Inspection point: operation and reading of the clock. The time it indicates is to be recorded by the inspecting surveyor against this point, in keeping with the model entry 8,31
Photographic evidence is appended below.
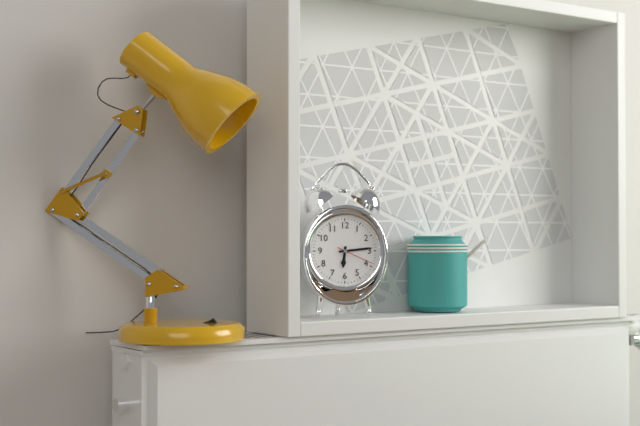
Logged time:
6,14
